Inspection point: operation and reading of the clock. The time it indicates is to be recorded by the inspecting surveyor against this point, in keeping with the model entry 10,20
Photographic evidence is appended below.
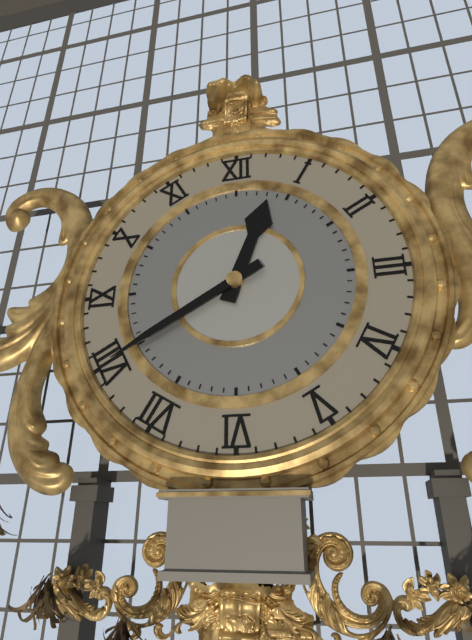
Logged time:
12,40
